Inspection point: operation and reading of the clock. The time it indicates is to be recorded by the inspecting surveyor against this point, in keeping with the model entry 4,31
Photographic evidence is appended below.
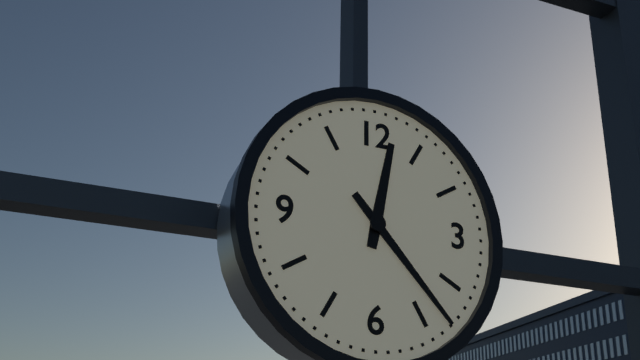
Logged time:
12,23
